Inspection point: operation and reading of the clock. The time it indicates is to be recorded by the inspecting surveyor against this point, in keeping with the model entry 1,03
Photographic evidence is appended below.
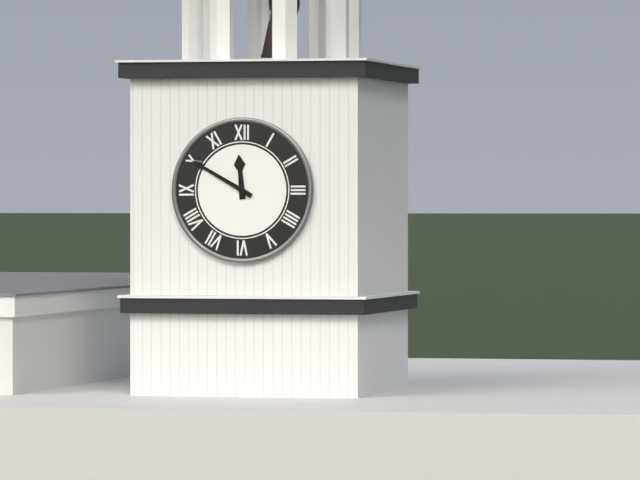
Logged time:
11,50
